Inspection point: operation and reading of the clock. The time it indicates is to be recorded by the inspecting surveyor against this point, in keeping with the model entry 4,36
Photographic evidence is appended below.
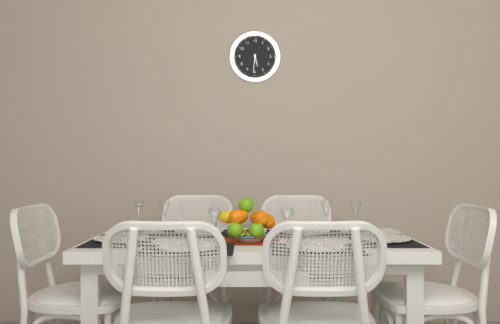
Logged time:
5,31
